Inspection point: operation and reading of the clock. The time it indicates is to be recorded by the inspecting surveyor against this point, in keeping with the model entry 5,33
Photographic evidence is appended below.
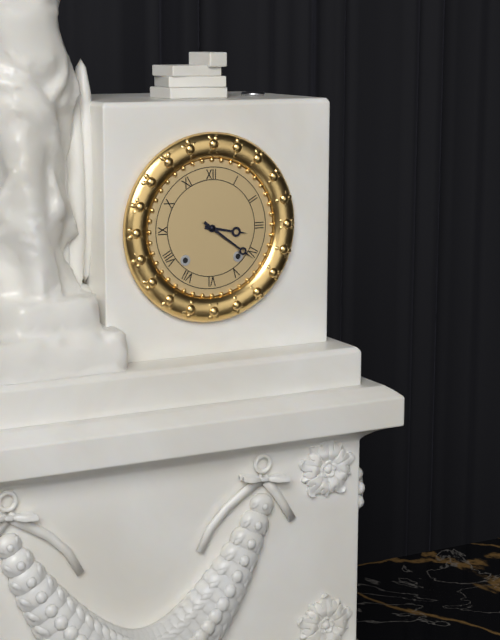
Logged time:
3,21
